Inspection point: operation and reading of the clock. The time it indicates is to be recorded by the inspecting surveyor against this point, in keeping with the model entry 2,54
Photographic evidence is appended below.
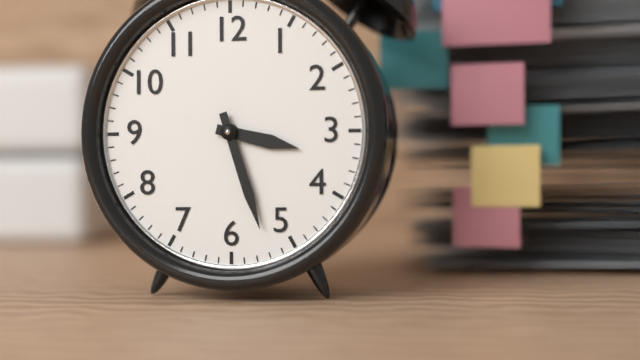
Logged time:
3,27
